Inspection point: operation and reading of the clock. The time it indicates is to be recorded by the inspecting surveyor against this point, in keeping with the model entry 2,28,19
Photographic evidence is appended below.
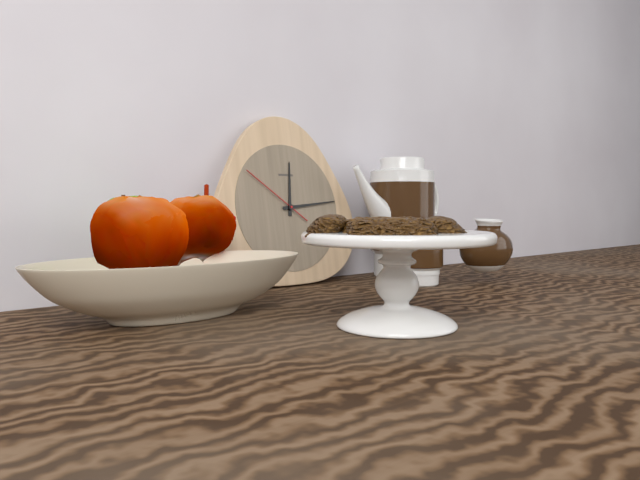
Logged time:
12,14,51
